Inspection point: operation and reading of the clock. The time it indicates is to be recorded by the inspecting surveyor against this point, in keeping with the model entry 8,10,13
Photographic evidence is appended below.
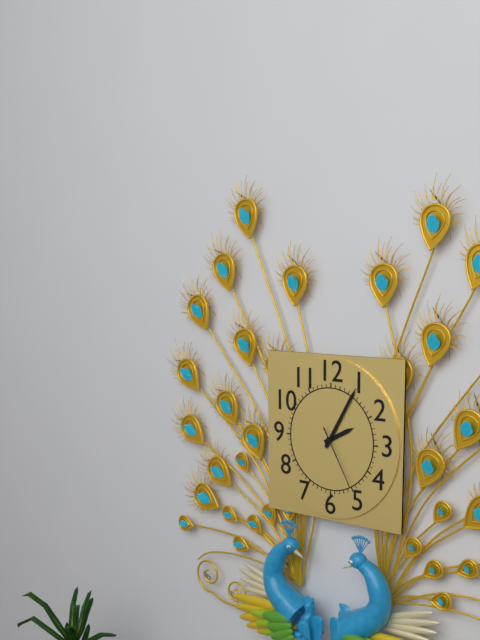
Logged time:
2,05,25
